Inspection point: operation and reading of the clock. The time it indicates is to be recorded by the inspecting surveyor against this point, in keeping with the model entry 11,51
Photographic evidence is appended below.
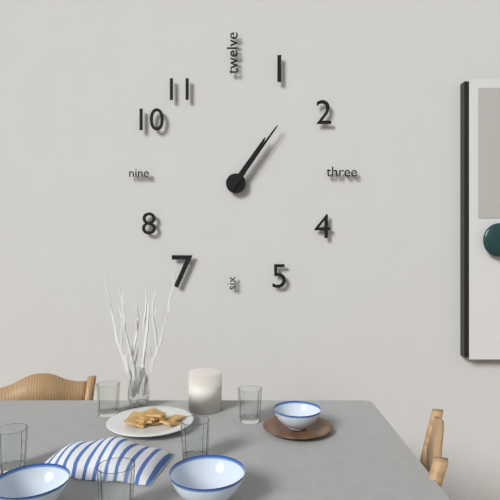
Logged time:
1,06
